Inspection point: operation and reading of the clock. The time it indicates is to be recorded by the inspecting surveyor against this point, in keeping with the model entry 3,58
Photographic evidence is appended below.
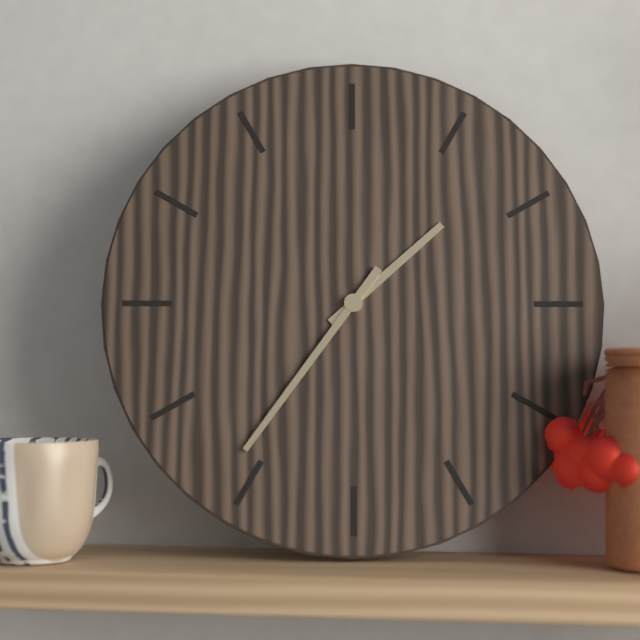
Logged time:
1,36
